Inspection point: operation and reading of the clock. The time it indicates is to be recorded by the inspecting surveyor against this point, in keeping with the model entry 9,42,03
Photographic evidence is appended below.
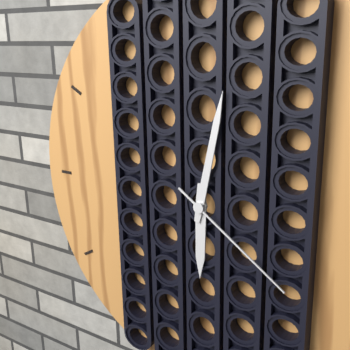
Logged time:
6,02,21
